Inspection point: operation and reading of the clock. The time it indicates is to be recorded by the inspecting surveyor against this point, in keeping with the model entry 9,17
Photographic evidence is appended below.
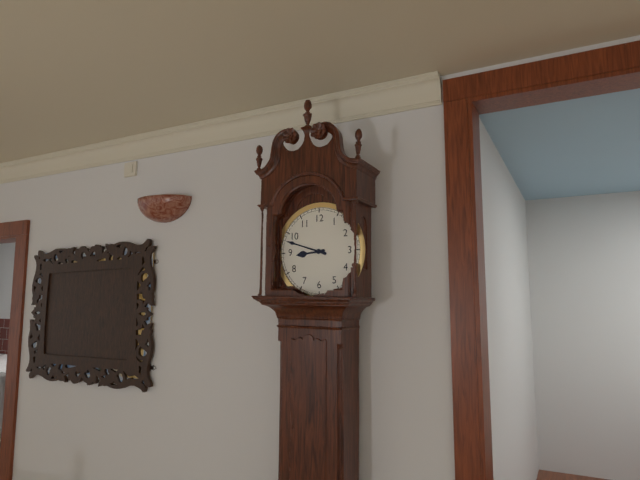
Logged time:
8,48
